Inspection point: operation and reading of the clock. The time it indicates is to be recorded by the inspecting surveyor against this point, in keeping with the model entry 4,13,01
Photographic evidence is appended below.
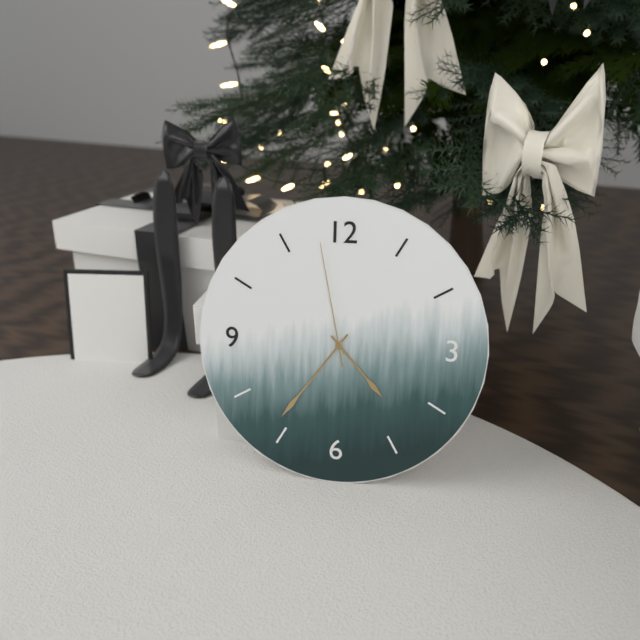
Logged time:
4,36,58
